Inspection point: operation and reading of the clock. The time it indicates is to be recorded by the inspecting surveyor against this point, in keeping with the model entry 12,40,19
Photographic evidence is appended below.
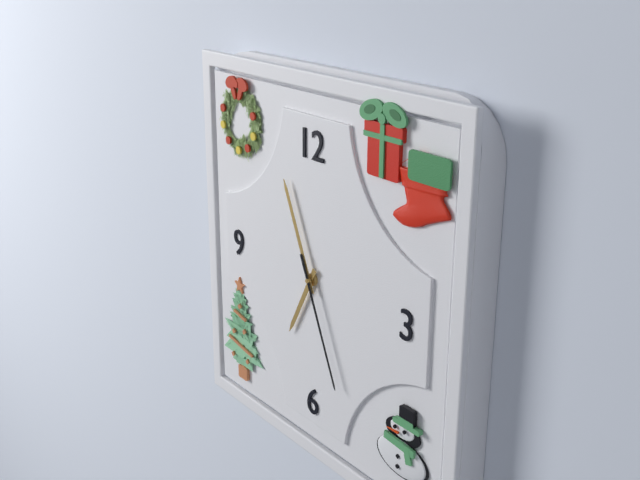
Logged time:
6,56,26
